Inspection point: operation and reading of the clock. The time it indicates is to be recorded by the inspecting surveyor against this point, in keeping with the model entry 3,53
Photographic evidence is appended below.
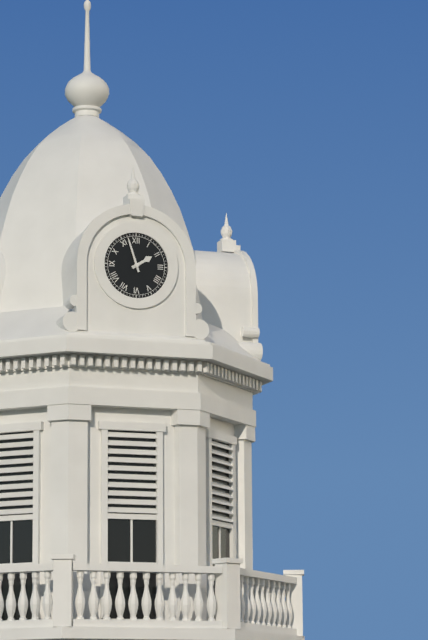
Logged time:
1,57
